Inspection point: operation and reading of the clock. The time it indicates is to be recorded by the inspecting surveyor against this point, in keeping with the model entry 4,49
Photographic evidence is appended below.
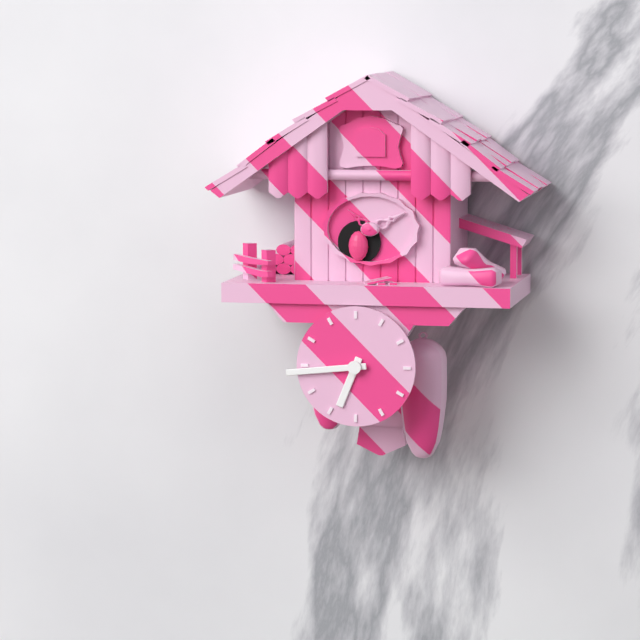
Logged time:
6,44
